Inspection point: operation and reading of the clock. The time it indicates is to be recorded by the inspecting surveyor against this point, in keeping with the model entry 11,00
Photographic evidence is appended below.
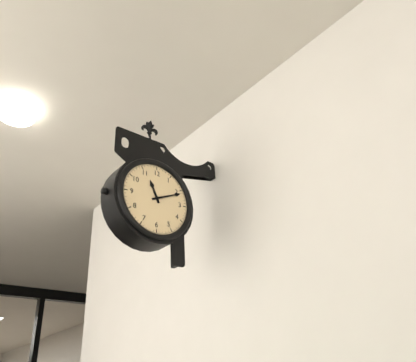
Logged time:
11,11
